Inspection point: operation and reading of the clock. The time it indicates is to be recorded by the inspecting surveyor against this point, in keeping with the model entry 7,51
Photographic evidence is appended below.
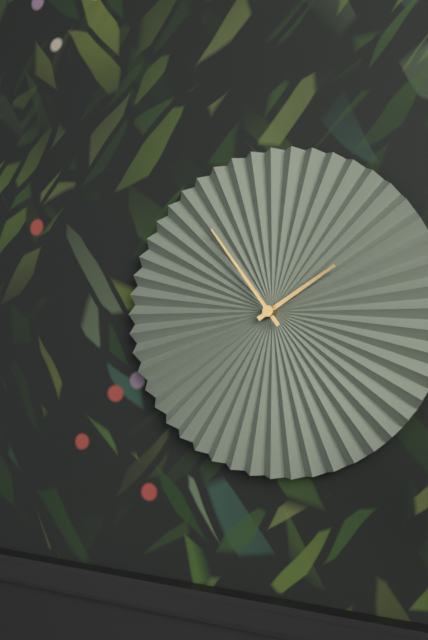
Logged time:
1,54
